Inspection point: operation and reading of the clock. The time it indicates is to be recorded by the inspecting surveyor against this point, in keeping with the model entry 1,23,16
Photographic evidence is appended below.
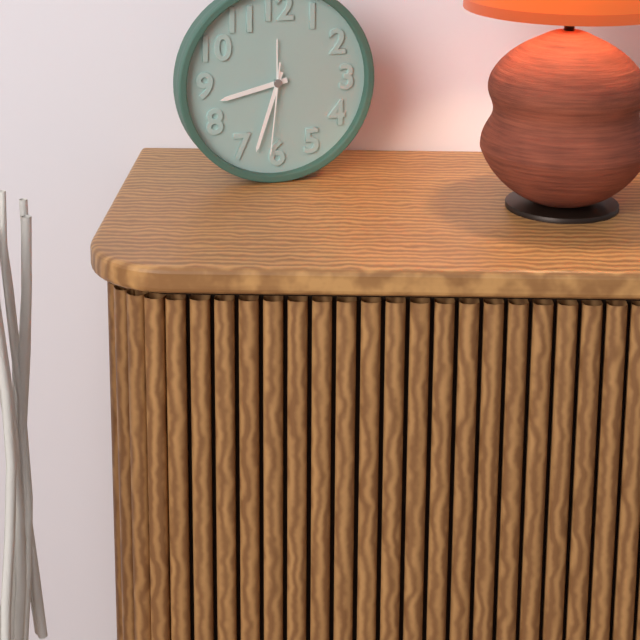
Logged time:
8,33,31
